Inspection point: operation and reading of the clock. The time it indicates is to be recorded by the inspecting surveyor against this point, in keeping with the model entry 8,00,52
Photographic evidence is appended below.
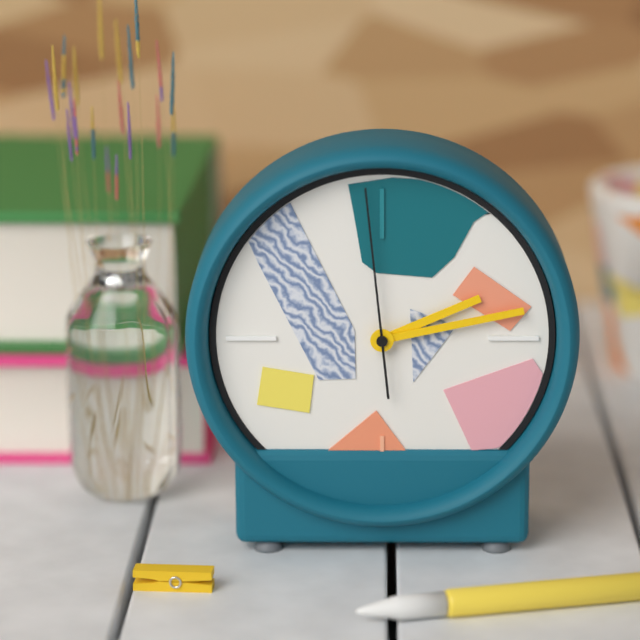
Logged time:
2,13,59
